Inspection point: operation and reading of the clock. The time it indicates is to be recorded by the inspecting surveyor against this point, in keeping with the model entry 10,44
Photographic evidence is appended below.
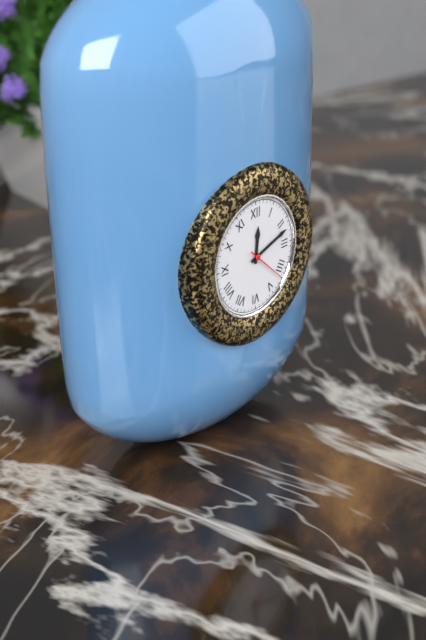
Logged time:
12,12
